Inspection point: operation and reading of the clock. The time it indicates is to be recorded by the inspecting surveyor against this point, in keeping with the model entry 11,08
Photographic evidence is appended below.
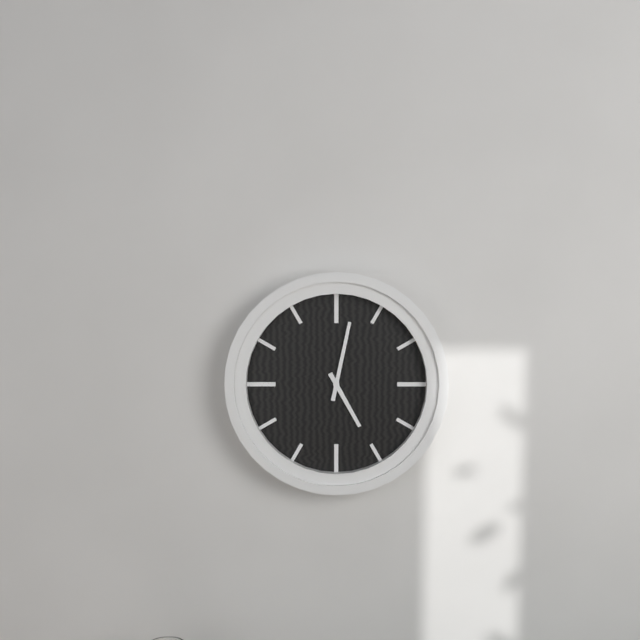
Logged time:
5,02
